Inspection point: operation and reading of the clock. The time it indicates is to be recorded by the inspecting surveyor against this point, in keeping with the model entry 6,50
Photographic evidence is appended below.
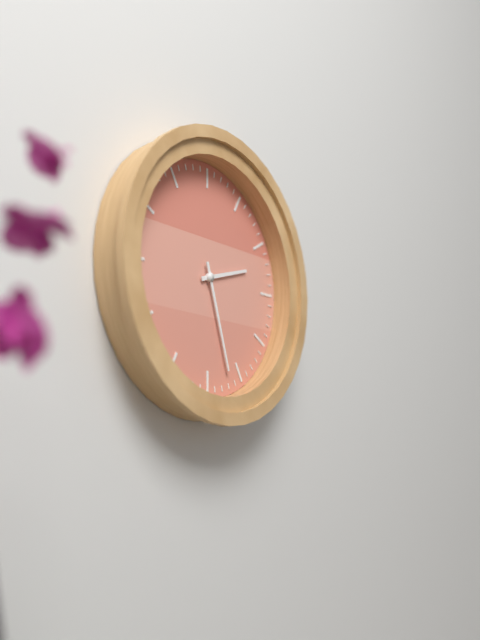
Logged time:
2,27
